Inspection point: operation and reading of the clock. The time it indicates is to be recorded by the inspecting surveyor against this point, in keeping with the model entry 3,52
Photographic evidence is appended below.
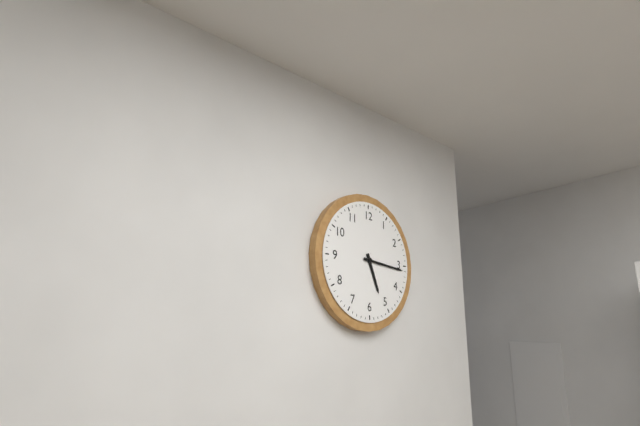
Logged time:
5,16
